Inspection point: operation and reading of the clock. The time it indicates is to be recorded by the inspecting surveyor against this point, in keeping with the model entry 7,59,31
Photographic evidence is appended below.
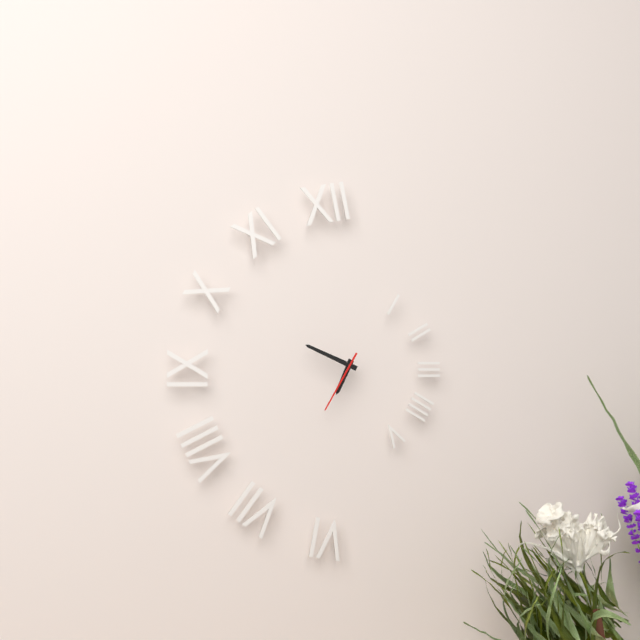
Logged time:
6,49,35
